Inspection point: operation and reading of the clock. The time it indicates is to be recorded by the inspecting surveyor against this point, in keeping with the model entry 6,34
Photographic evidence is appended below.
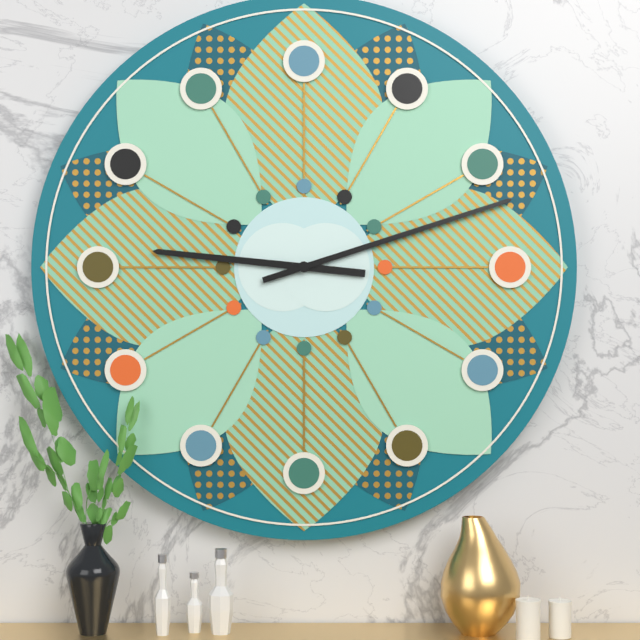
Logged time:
9,12
